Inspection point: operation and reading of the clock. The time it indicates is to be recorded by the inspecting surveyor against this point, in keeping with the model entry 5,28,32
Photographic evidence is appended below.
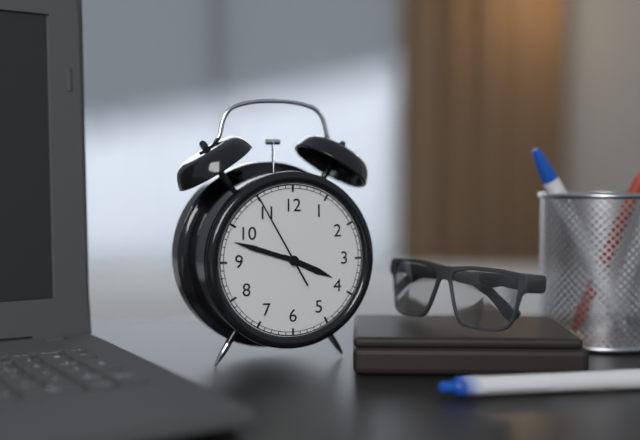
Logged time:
3,48,55
